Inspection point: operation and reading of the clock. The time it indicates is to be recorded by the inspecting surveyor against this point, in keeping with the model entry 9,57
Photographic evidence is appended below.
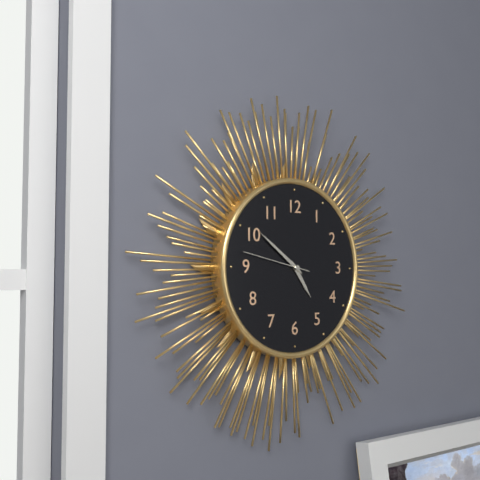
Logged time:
4,51
